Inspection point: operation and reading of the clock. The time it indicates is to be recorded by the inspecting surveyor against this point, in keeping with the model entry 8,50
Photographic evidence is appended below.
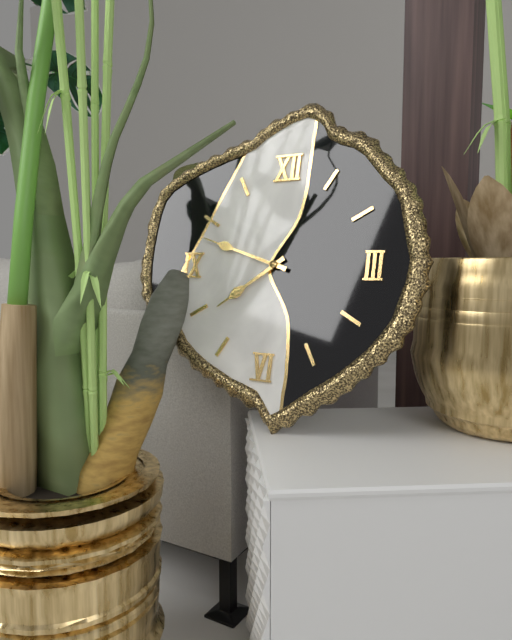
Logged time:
7,48
